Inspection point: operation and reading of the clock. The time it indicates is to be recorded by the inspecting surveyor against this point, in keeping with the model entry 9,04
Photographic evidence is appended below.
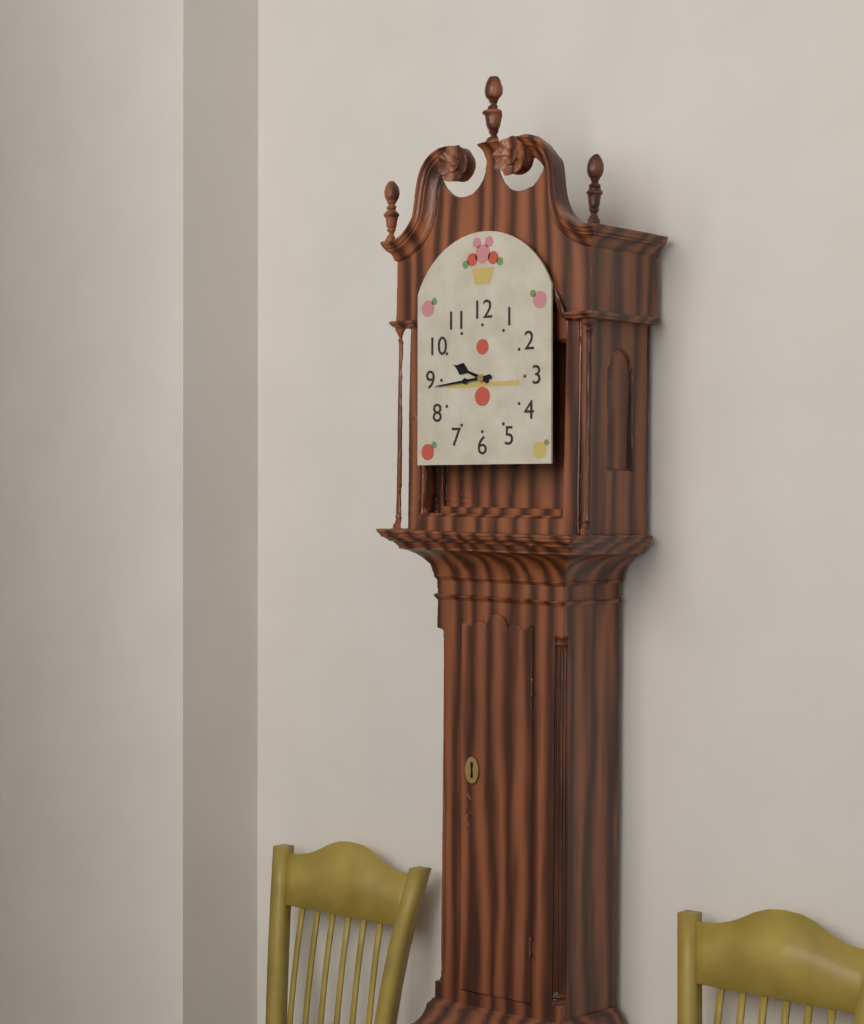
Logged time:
9,44
